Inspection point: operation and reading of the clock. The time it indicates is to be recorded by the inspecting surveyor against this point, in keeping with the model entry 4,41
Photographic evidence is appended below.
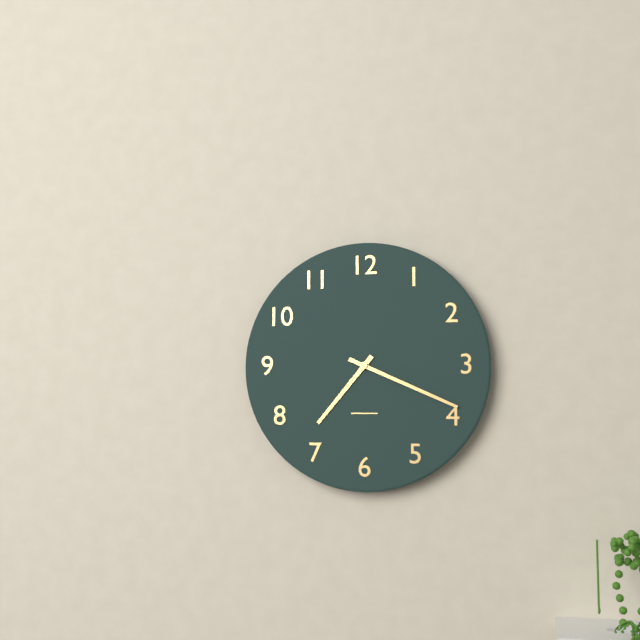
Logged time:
7,19
